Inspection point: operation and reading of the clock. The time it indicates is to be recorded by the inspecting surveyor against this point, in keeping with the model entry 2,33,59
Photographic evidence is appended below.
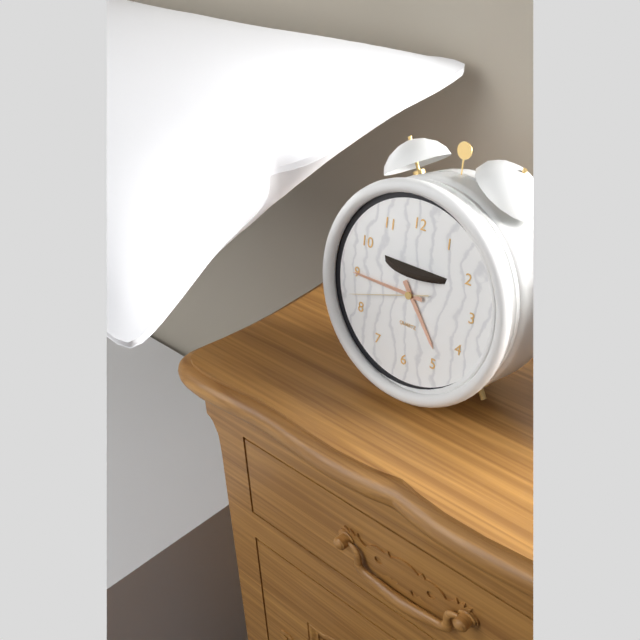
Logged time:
4,45,42
